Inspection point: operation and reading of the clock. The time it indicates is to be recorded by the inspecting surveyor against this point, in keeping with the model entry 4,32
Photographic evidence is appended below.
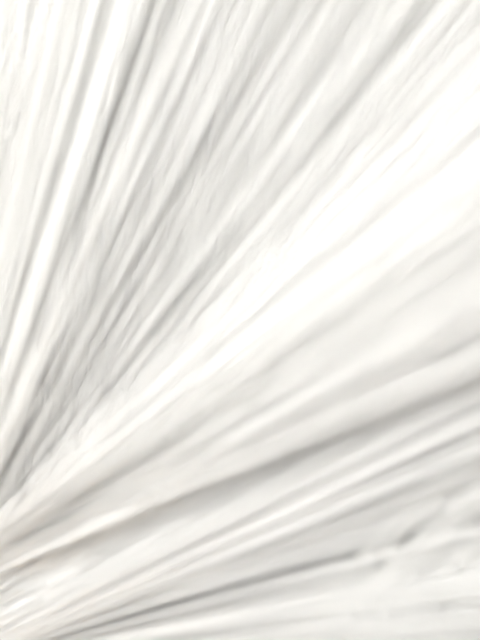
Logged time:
11,57
